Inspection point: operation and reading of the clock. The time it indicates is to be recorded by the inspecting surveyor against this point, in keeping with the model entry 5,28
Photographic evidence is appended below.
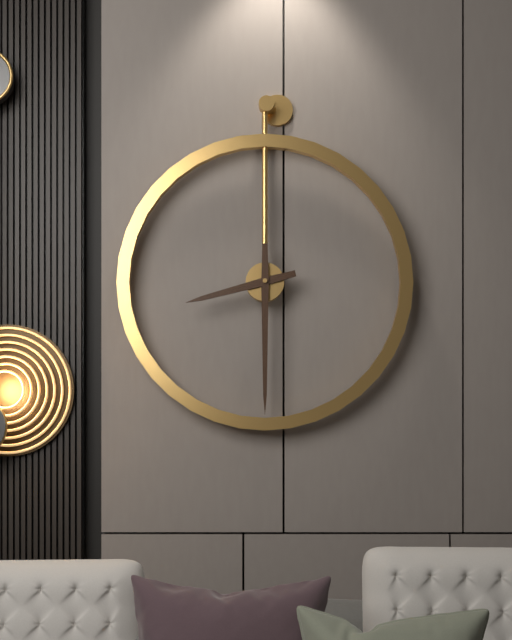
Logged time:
8,30
